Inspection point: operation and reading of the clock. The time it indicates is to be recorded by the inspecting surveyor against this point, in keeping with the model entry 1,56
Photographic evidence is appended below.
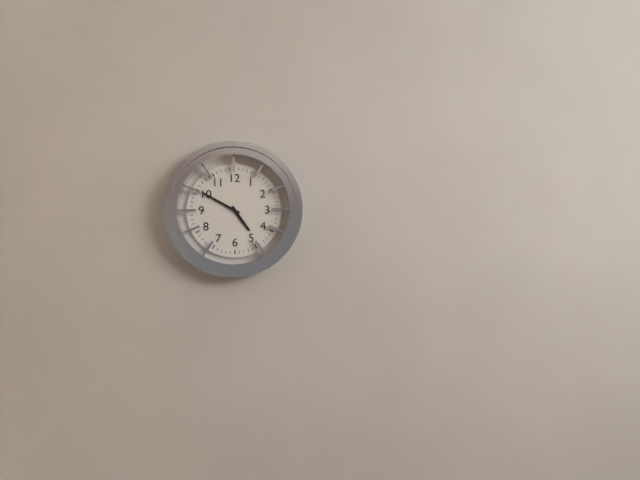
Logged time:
4,50
